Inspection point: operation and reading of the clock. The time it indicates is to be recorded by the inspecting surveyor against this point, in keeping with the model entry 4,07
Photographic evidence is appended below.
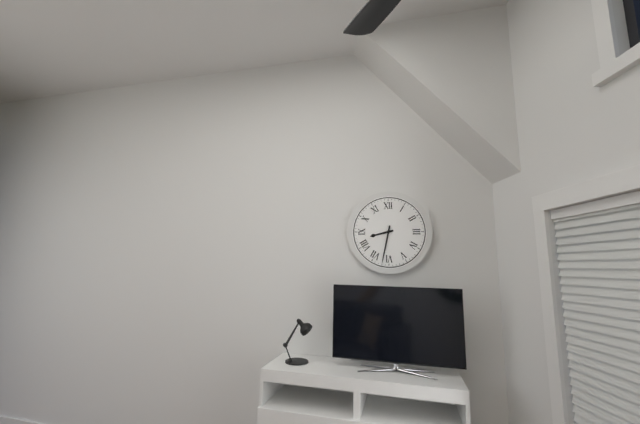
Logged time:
8,32
